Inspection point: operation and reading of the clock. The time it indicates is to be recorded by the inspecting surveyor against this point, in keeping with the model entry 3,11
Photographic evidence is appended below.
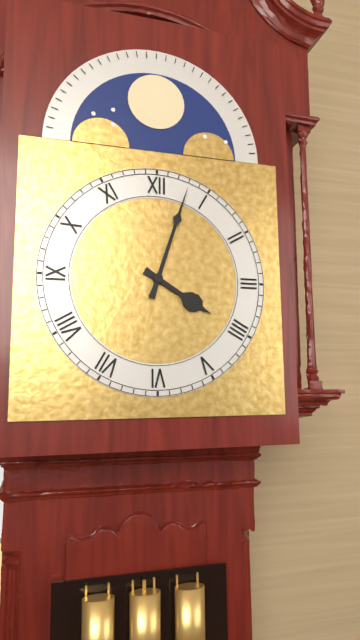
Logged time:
4,03
